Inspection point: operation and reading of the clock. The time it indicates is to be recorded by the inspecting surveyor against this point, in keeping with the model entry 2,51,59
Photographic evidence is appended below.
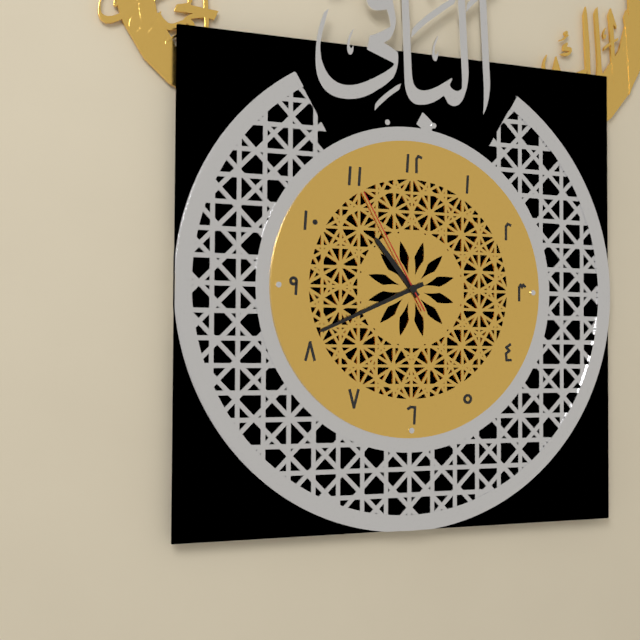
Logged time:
10,41,55
